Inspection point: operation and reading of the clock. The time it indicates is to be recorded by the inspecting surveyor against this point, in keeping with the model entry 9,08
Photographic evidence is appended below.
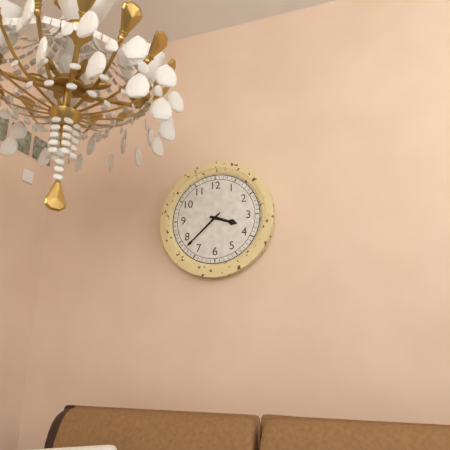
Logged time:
3,38
